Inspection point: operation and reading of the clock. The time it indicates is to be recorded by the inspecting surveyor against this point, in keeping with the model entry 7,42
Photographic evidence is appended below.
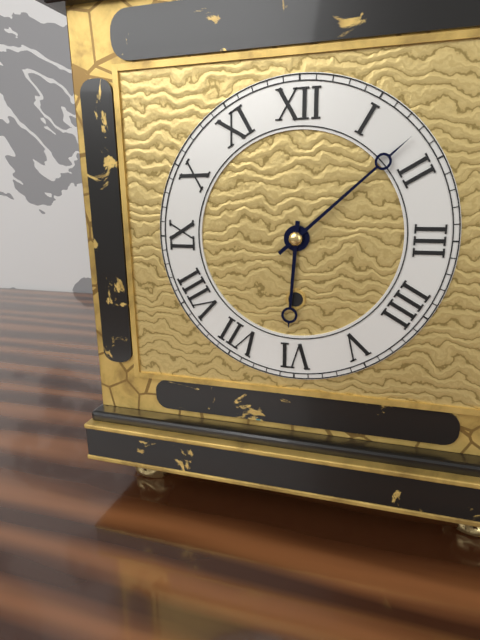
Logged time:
6,08
